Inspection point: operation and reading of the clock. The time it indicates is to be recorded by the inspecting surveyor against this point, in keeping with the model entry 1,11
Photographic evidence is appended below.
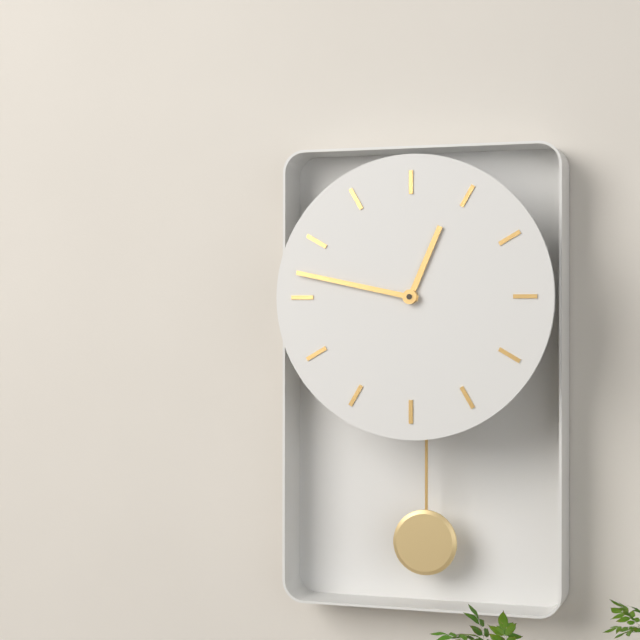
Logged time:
12,47
